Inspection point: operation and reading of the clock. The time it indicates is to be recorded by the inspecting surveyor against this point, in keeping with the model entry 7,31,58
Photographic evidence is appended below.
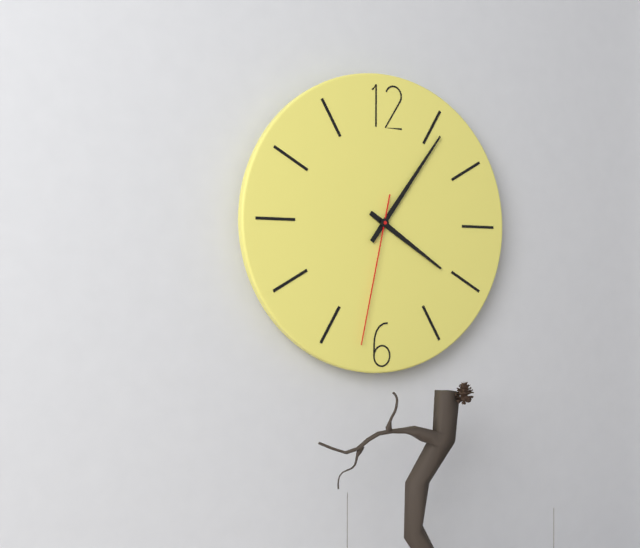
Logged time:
4,06,32
